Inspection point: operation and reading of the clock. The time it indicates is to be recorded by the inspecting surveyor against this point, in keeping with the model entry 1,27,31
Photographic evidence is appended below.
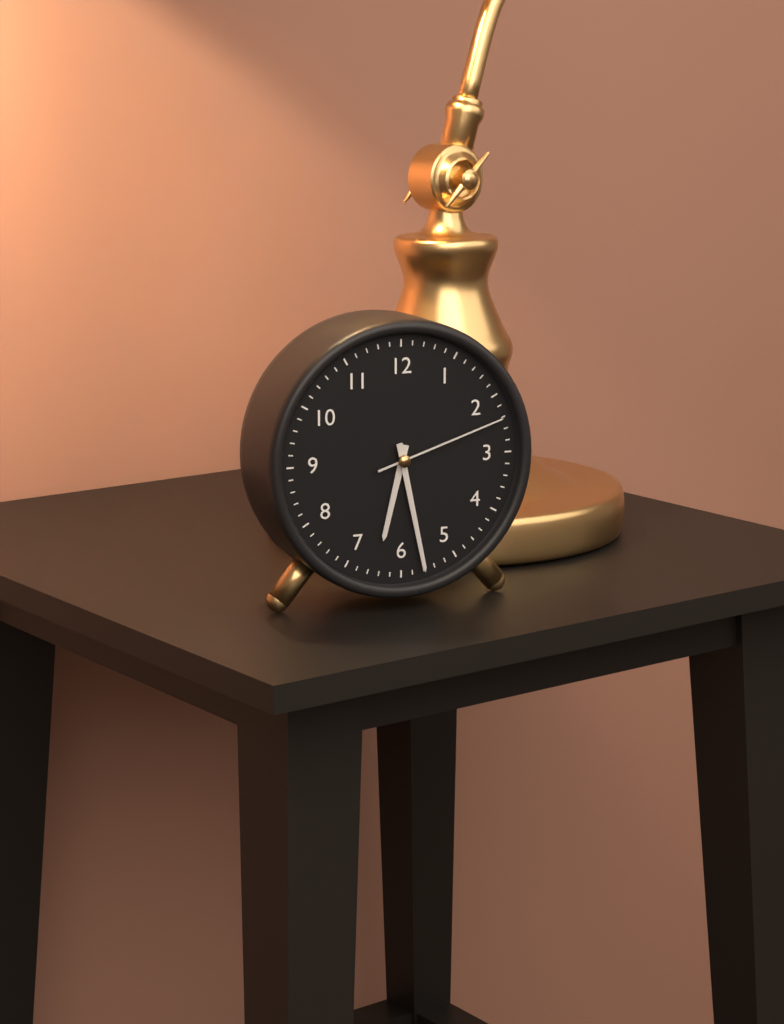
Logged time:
6,28,12
